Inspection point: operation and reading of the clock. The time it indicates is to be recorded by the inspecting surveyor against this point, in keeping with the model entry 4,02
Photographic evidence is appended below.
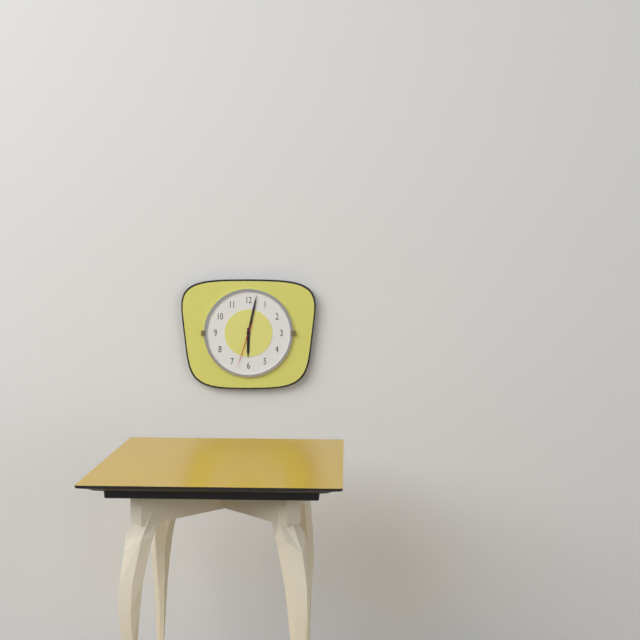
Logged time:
6,02
